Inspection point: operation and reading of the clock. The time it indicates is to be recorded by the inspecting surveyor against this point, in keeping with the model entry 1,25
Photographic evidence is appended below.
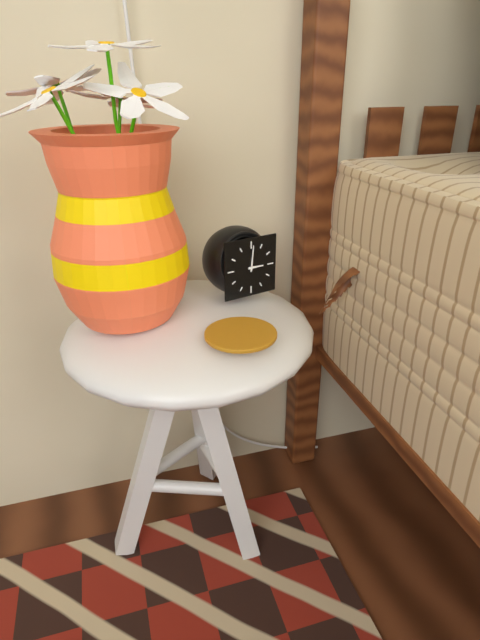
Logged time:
3,01
